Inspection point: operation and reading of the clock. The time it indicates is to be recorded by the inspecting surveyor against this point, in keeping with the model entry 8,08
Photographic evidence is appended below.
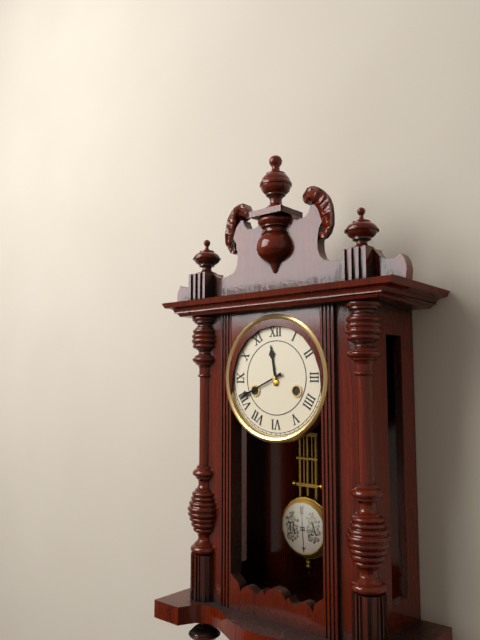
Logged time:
11,41
